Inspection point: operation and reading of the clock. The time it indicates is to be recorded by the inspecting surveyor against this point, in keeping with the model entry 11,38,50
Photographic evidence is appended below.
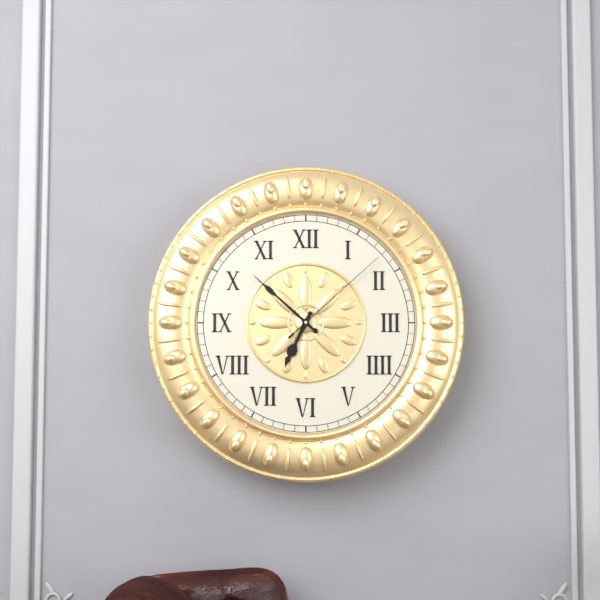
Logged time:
6,52,08
